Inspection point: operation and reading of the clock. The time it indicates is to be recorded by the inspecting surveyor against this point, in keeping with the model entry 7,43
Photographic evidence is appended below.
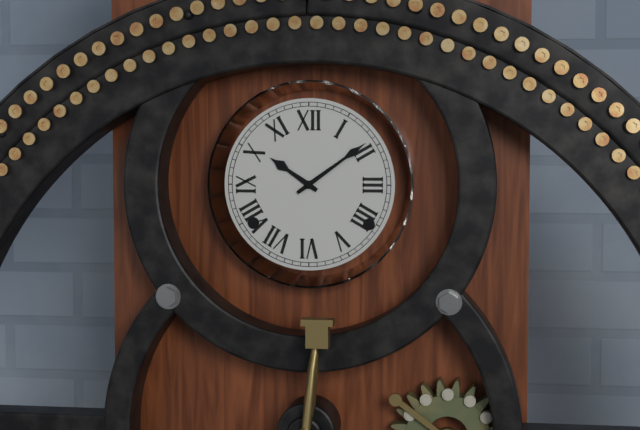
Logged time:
10,09
